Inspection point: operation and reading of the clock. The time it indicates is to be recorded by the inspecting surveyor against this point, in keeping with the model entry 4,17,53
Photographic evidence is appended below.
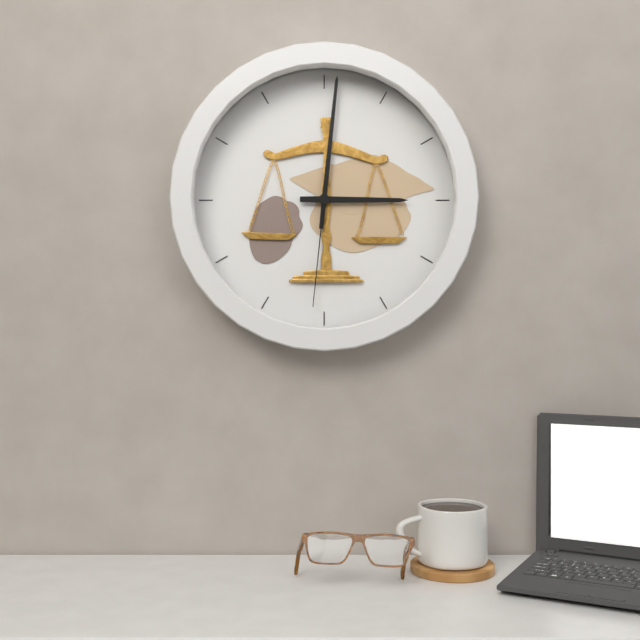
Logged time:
3,01,31
